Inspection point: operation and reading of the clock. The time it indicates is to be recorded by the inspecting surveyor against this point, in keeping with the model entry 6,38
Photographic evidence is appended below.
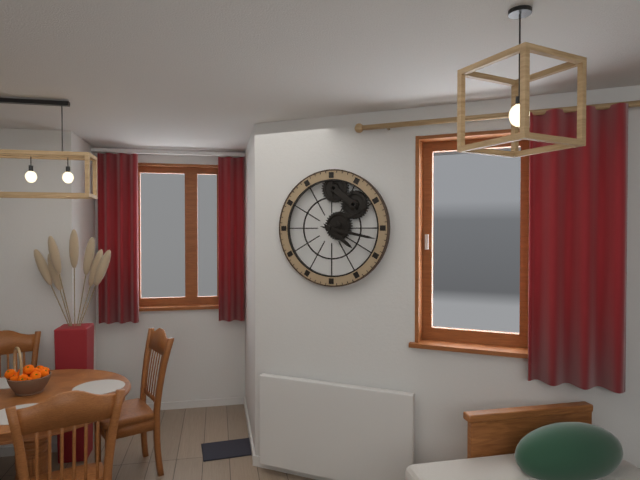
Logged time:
4,17
